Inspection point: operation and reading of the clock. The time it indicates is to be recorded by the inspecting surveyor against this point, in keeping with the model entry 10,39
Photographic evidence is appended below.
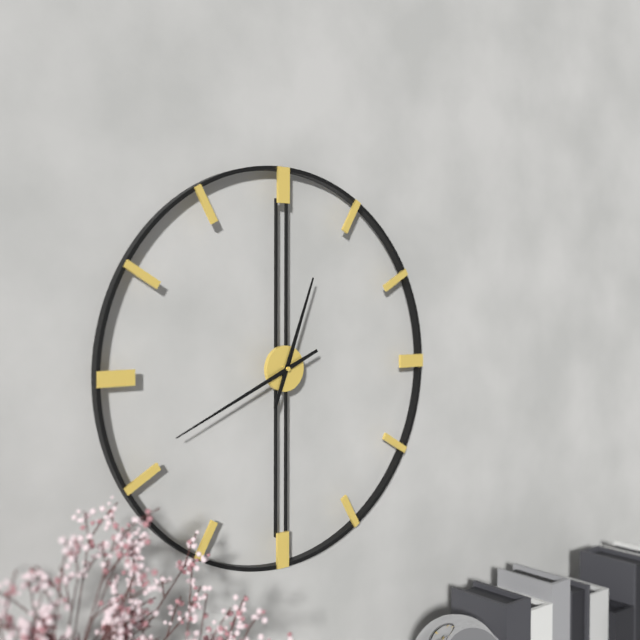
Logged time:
12,41
